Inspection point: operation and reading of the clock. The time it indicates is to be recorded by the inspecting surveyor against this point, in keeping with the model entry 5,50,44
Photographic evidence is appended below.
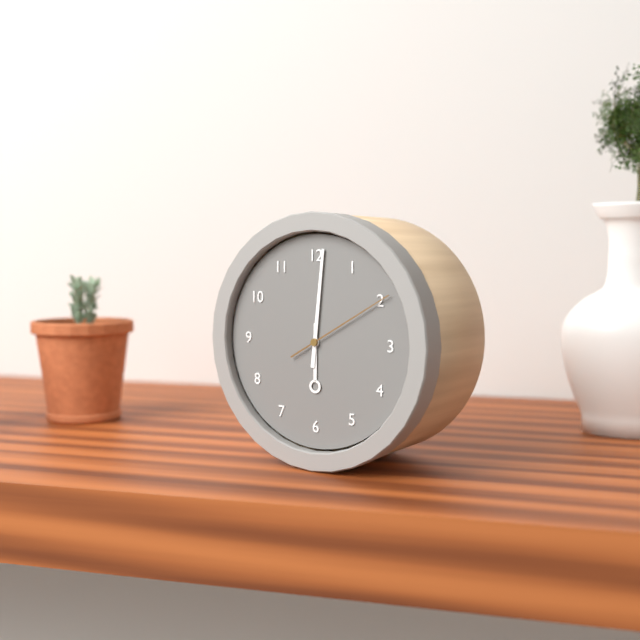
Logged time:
6,01,10
